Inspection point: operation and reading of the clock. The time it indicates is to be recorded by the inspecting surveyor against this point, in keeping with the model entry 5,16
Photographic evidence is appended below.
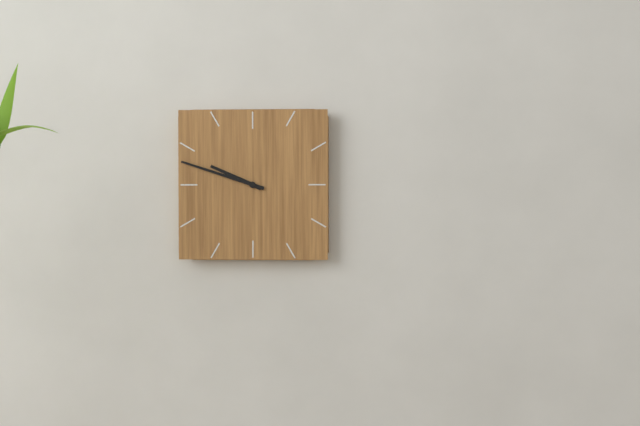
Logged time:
9,48
